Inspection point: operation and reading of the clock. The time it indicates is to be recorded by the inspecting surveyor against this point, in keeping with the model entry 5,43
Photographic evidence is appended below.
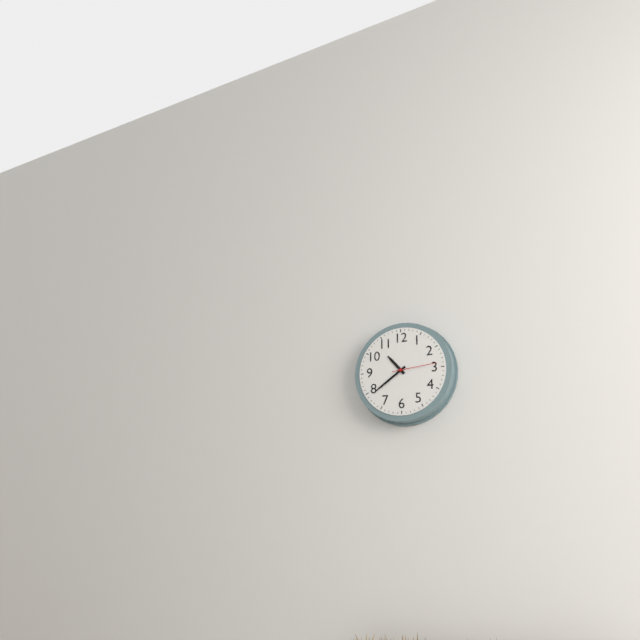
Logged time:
10,39
